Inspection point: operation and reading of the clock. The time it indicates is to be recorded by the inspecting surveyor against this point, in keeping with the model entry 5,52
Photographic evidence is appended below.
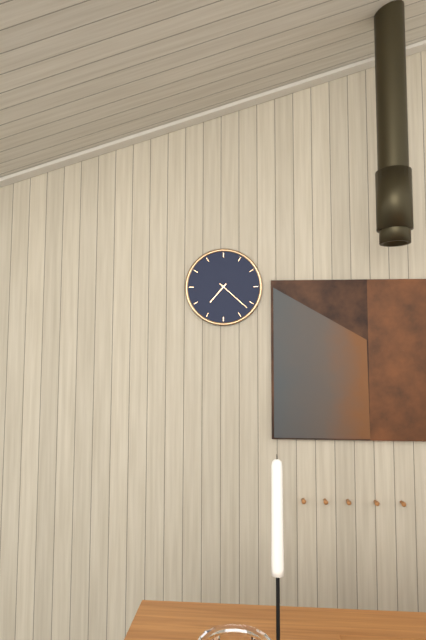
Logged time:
7,22
